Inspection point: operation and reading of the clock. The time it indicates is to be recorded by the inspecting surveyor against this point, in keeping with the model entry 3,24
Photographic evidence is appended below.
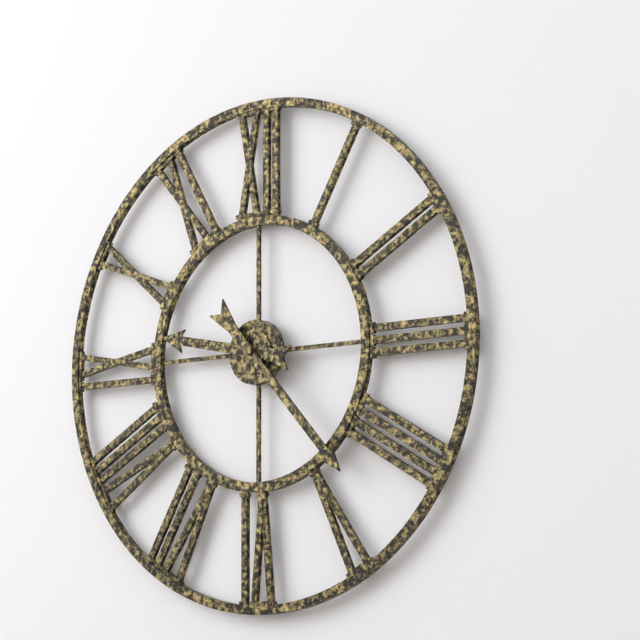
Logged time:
9,23
